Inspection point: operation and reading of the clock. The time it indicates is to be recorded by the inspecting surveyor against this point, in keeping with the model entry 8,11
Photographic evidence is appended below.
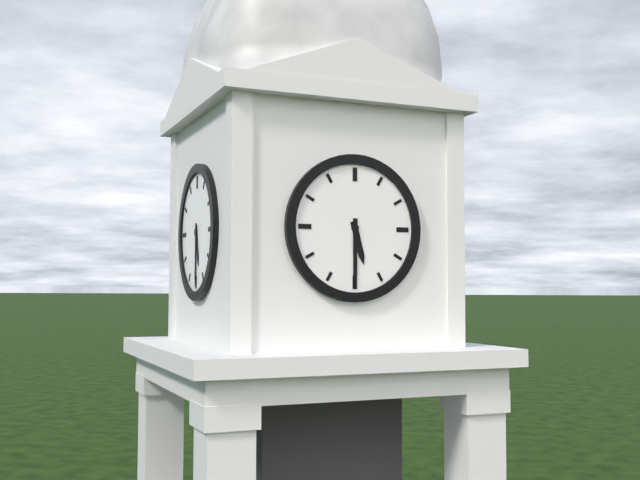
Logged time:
5,30
